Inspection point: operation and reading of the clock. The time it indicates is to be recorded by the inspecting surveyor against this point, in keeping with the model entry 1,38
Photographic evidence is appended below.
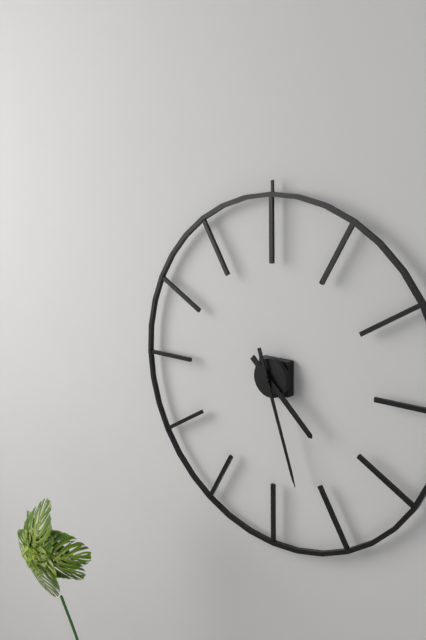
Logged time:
4,27
